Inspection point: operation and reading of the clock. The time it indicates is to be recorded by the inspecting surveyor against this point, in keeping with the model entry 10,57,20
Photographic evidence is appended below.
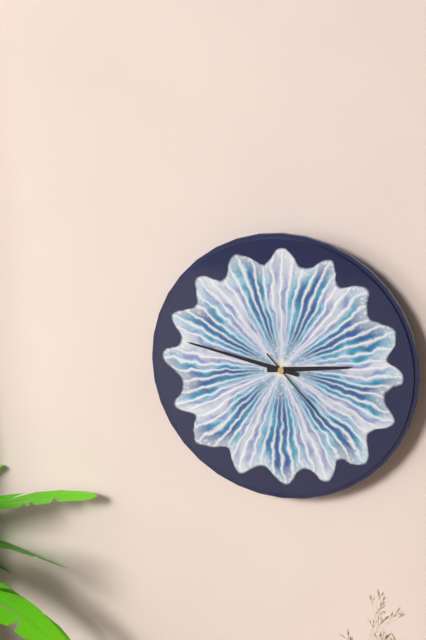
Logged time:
2,47,23
